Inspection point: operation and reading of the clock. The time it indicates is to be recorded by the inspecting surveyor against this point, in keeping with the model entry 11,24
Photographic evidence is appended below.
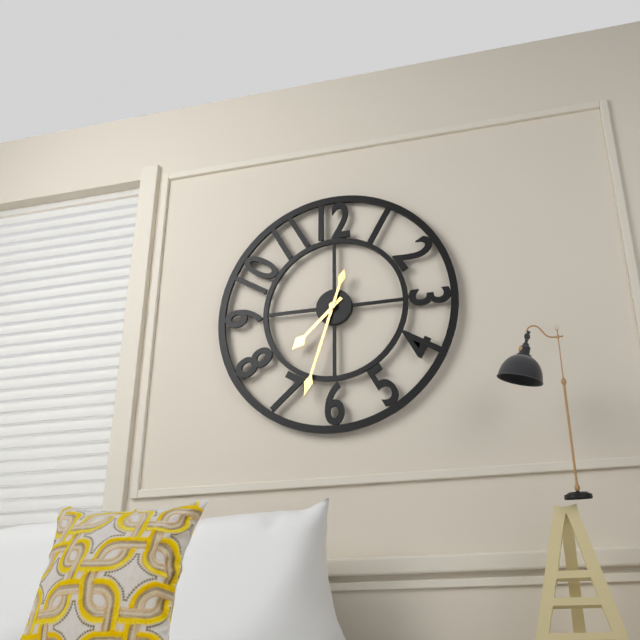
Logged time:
7,33
